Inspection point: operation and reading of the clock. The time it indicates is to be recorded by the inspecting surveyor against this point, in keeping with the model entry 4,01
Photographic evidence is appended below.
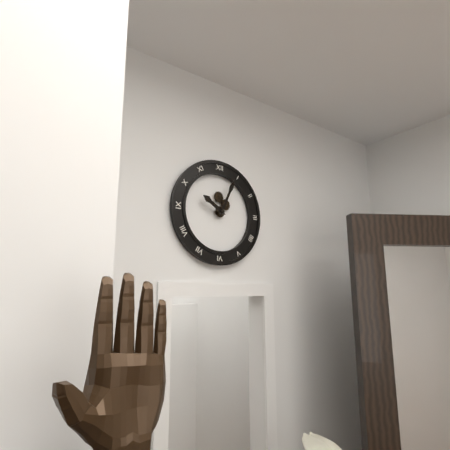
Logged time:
10,04
